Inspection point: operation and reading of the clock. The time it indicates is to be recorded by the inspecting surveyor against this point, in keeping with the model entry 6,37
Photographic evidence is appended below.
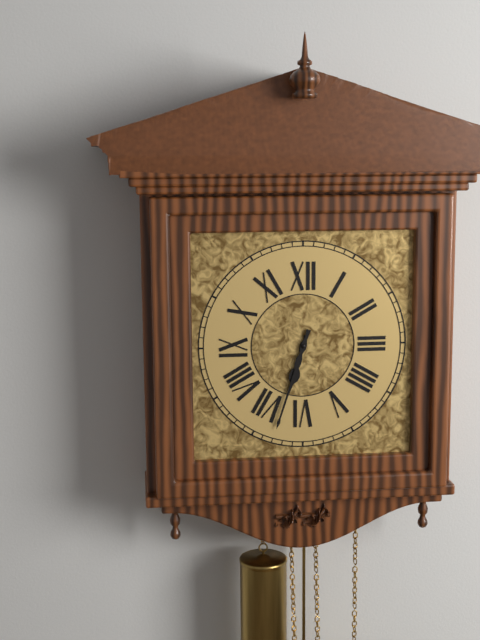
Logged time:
6,33
